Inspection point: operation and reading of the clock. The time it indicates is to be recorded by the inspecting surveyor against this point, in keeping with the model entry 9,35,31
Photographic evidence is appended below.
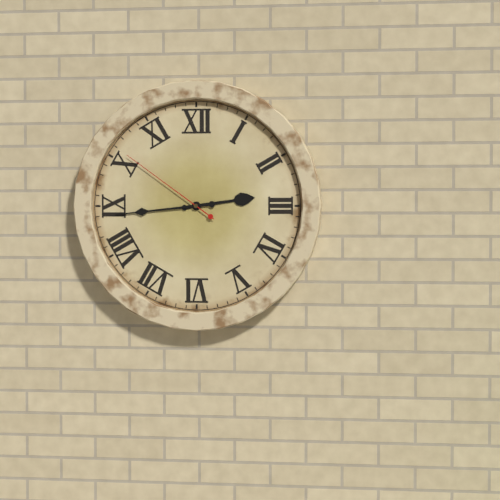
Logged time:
2,44,51
